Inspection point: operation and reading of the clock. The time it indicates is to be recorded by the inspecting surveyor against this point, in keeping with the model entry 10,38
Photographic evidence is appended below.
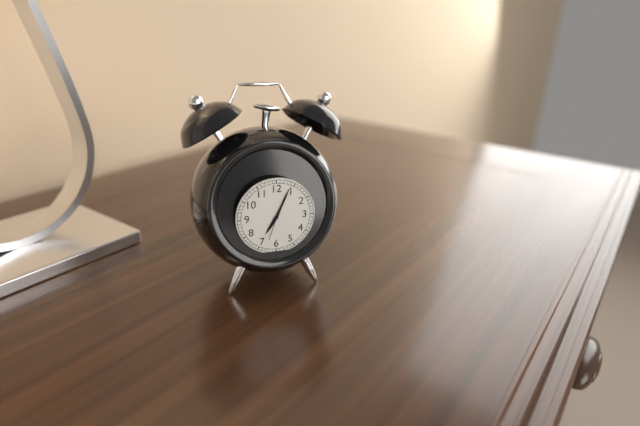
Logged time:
7,04
